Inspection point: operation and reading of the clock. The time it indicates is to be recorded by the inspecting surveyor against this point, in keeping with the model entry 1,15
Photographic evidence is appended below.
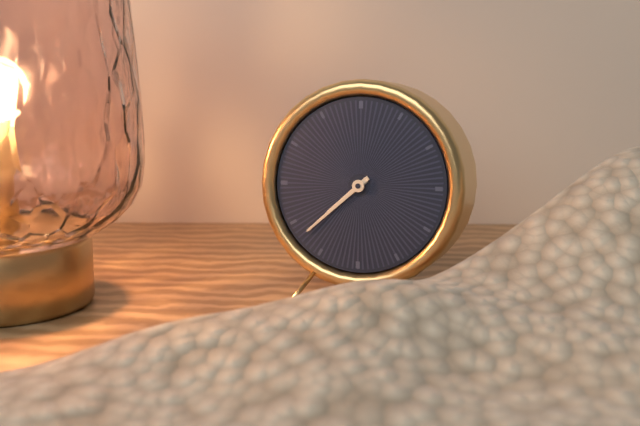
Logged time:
7,38
